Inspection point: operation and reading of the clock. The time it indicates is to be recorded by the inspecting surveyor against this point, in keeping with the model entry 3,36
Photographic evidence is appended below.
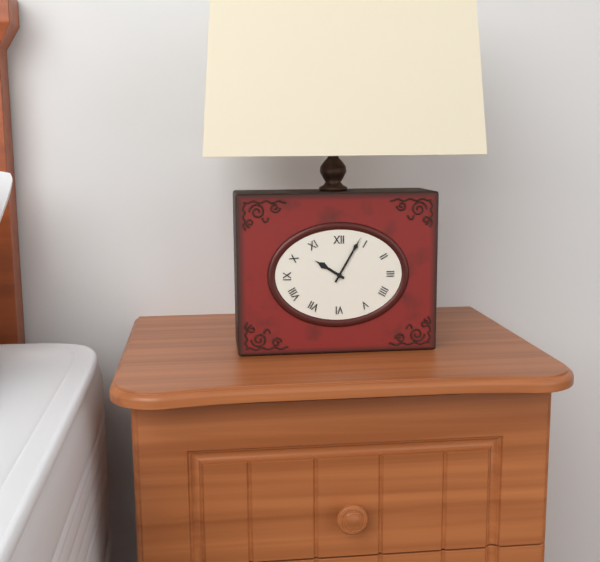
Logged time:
10,05
